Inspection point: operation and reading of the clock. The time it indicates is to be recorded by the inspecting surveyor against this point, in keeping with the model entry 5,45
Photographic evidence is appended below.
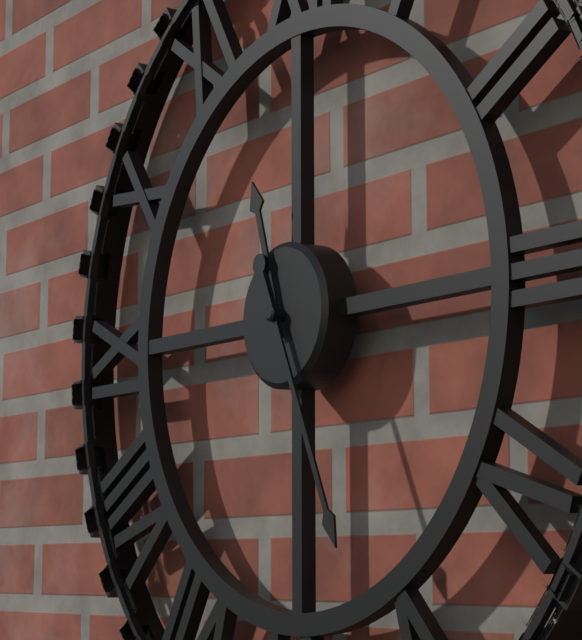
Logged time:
11,26
